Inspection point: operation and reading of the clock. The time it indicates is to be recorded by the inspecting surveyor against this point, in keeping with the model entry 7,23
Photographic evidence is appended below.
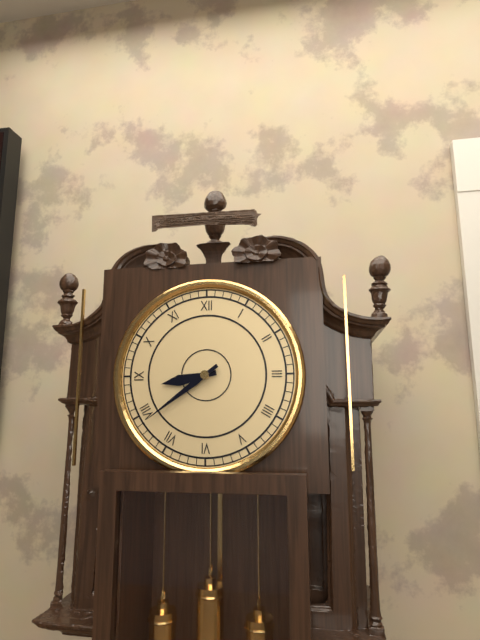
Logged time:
8,39
